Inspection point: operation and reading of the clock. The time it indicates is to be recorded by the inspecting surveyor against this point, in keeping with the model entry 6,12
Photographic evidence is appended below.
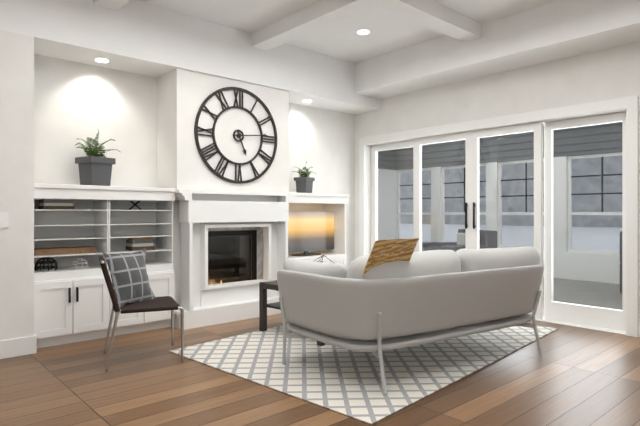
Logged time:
5,14
